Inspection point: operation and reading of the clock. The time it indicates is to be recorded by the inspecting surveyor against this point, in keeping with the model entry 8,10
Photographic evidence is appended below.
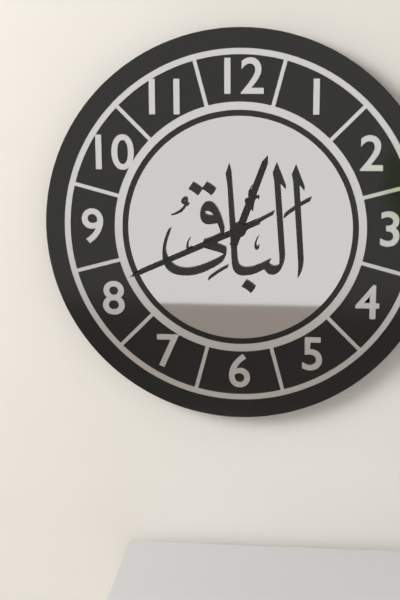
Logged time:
12,41
